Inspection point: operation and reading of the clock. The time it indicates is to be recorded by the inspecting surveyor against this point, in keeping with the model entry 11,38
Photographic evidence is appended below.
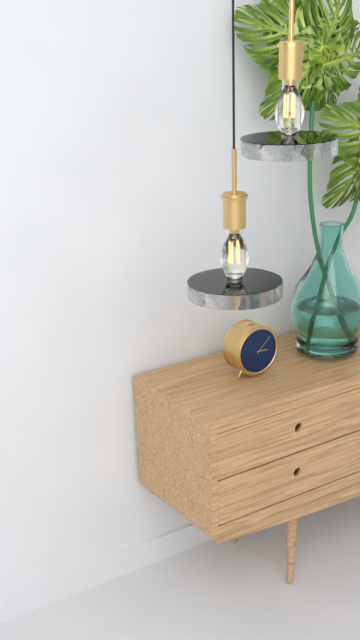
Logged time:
3,08
